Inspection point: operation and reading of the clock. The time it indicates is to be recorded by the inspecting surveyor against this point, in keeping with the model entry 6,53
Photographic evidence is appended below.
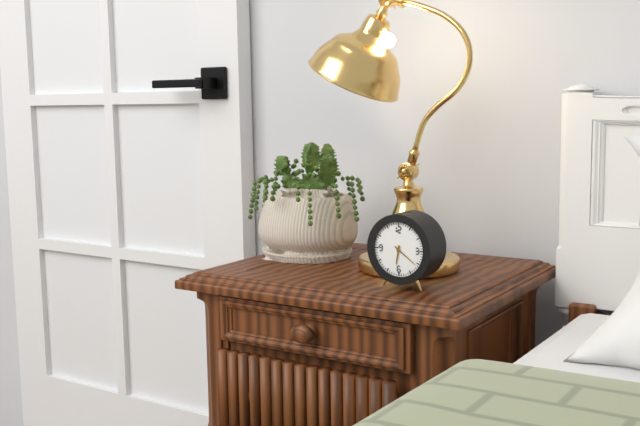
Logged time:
6,21
